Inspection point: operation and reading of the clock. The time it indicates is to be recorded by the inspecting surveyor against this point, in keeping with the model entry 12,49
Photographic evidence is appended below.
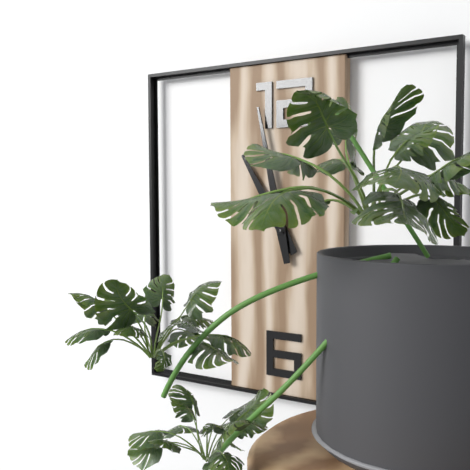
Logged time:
10,58
